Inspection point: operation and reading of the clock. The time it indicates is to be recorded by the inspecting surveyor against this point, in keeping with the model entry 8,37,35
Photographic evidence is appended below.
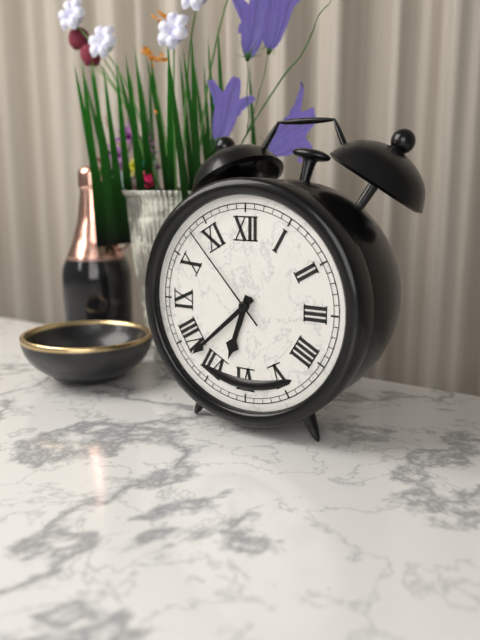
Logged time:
6,38,53
